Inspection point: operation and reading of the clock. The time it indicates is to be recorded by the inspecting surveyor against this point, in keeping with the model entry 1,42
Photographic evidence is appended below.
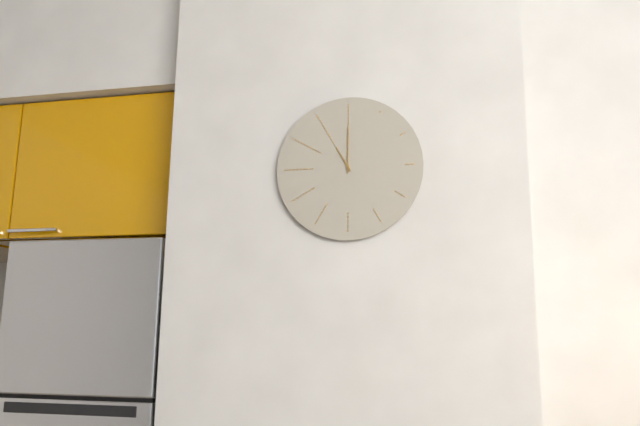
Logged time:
11,00
